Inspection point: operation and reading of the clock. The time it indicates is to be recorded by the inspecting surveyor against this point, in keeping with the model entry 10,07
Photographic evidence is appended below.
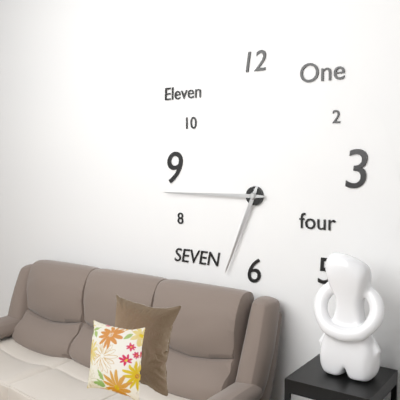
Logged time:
6,45
